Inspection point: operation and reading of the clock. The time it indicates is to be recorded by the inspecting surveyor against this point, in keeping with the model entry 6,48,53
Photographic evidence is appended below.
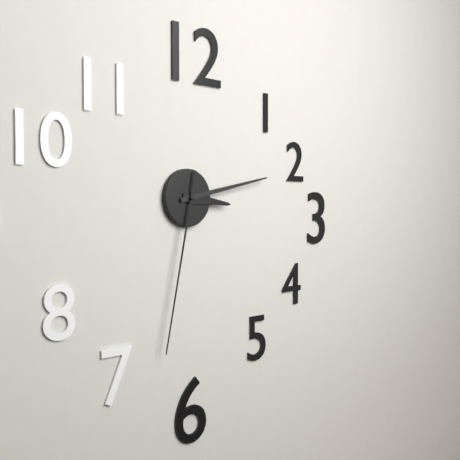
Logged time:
3,13,32
